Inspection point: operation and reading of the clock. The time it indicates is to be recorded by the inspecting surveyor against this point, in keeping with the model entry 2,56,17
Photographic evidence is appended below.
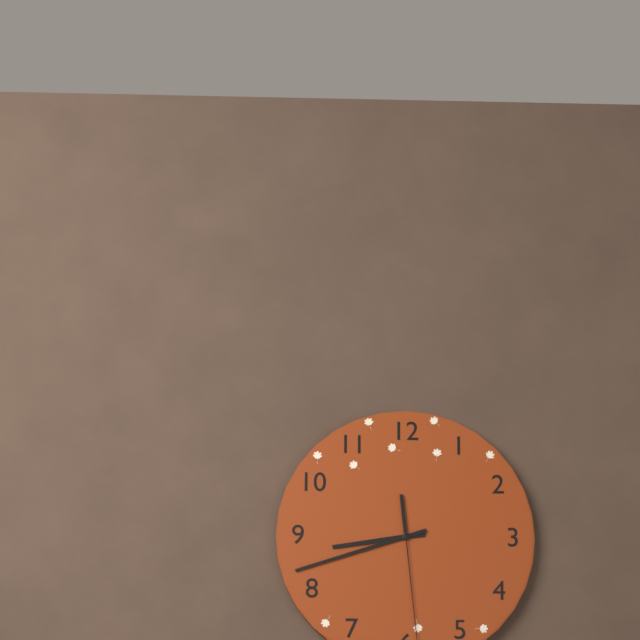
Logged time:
8,42,29
